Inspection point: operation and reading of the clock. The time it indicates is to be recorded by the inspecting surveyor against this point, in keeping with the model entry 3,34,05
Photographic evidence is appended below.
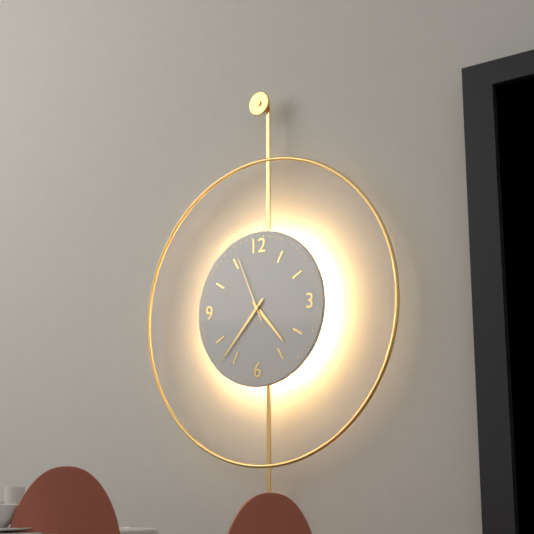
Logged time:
4,37,56
